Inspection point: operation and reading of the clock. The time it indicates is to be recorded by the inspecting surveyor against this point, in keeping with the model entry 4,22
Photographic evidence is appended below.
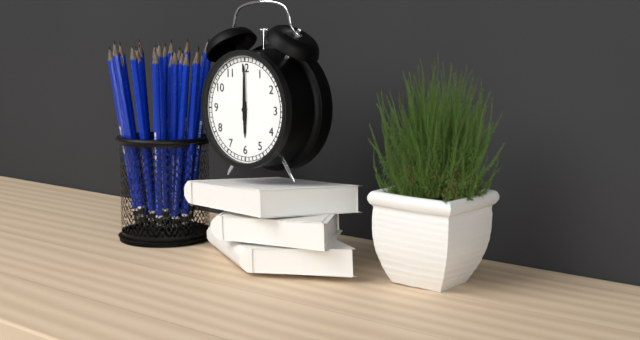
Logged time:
6,00
